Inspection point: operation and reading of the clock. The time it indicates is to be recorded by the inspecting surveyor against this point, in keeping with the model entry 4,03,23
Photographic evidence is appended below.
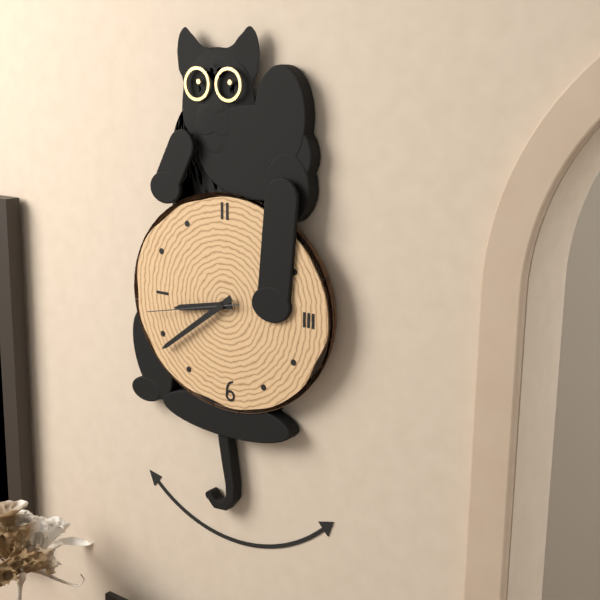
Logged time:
8,39,43
